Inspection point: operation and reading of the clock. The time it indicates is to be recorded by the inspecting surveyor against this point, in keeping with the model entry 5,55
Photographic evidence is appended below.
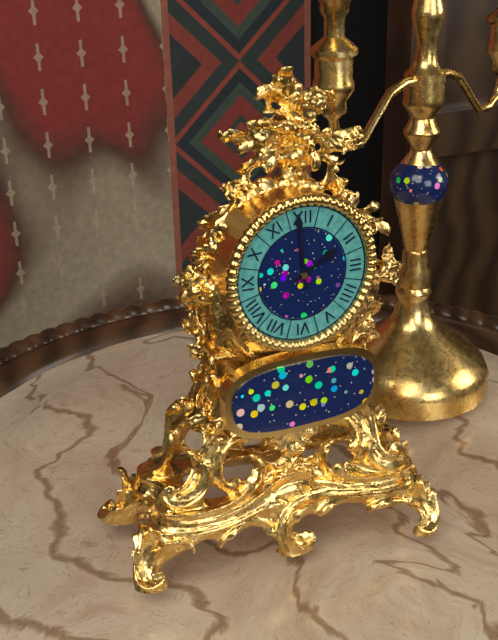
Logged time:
1,59
